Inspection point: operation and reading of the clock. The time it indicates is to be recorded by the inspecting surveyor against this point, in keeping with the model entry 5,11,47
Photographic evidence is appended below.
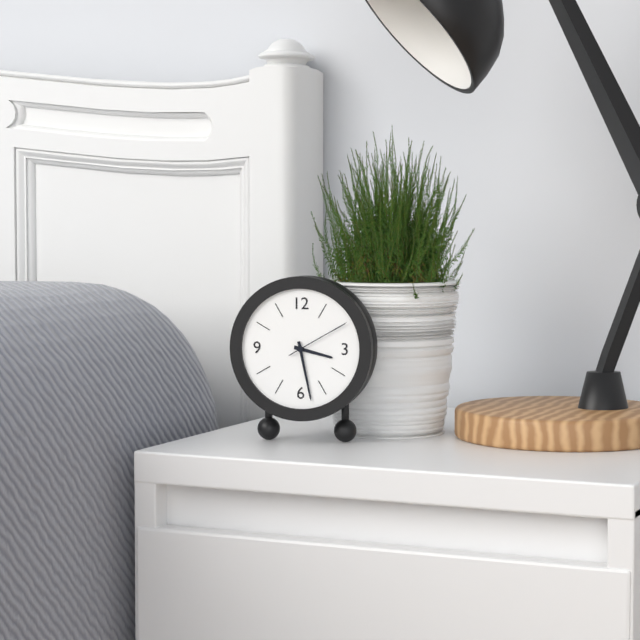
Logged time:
3,28,10
